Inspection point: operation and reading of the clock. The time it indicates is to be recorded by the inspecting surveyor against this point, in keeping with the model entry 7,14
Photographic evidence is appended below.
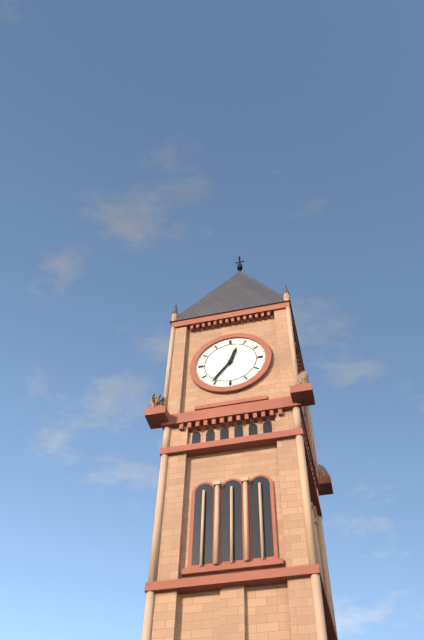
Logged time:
12,36
